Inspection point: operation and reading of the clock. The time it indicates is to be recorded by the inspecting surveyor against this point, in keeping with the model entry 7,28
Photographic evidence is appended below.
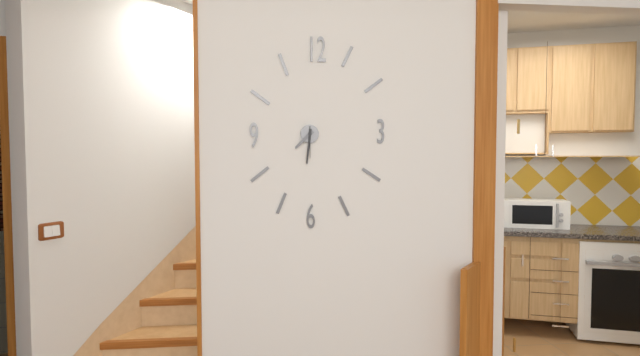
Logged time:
7,31
